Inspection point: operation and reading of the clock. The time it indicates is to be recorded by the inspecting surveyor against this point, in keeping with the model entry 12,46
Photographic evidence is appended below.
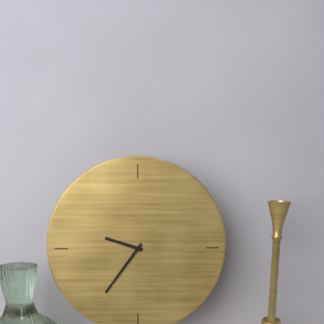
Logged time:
9,36
